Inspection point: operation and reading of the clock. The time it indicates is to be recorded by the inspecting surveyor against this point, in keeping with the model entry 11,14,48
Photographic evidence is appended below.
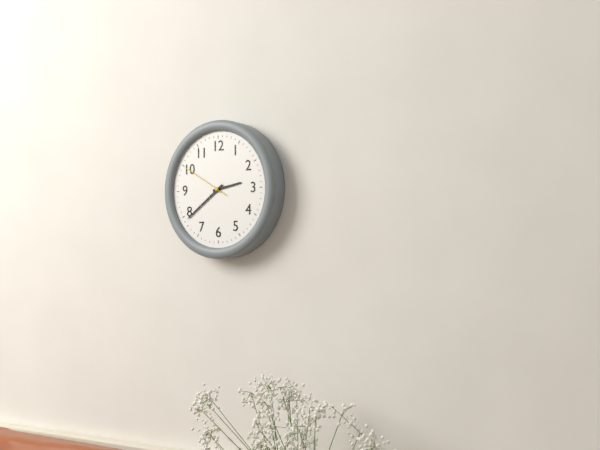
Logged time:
2,39,50
